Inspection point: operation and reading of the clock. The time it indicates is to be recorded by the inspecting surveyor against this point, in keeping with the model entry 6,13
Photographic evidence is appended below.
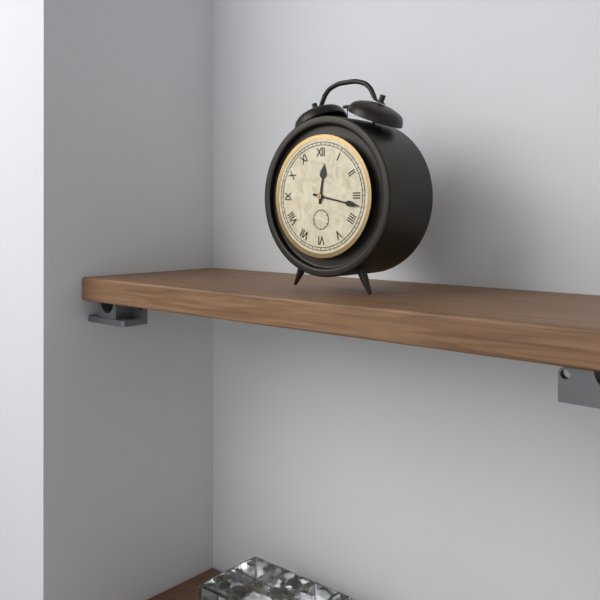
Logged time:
12,17
